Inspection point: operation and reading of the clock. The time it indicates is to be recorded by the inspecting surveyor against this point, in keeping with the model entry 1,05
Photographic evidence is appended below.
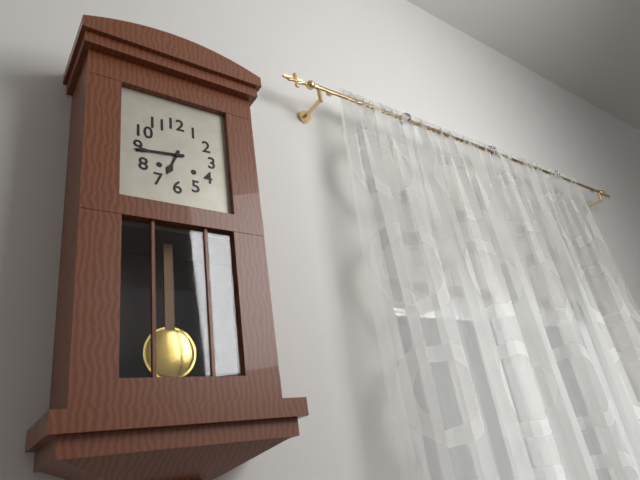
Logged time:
6,44
